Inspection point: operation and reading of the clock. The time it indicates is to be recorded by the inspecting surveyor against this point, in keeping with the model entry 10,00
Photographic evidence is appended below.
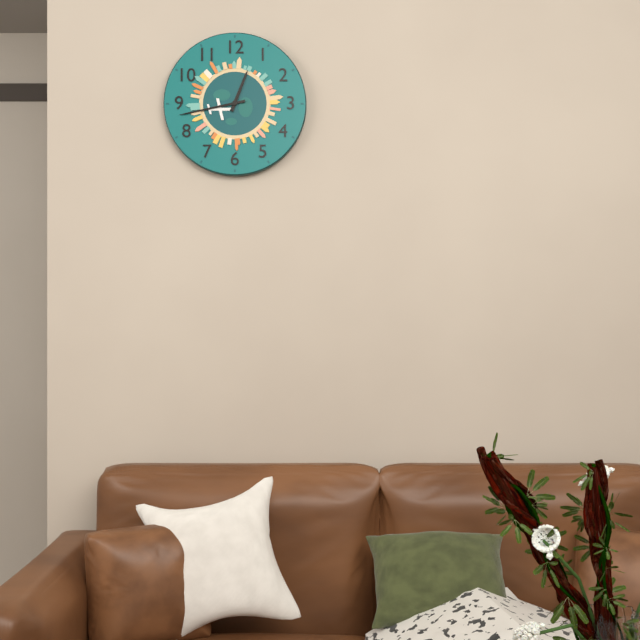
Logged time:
12,43
